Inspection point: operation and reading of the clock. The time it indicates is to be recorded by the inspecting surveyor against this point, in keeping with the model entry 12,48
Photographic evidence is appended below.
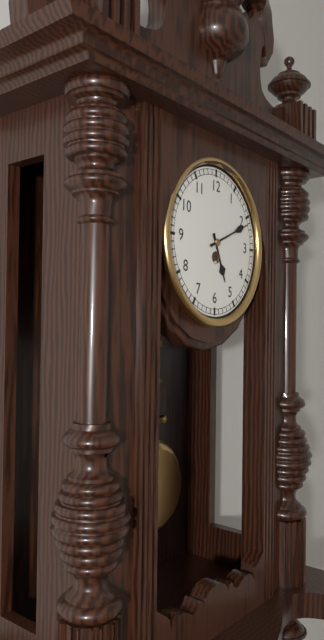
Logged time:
5,11
